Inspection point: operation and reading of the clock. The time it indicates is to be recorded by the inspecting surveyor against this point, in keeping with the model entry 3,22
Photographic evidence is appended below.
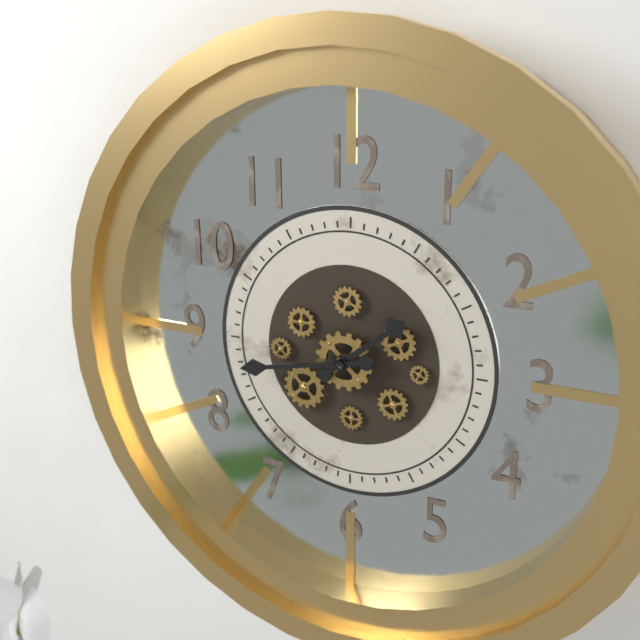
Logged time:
1,43
